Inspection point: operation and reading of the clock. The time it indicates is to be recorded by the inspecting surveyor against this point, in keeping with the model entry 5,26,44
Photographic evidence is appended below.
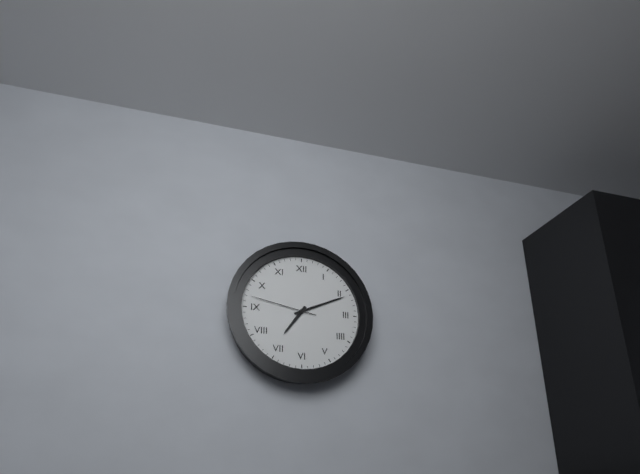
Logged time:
7,11,47
